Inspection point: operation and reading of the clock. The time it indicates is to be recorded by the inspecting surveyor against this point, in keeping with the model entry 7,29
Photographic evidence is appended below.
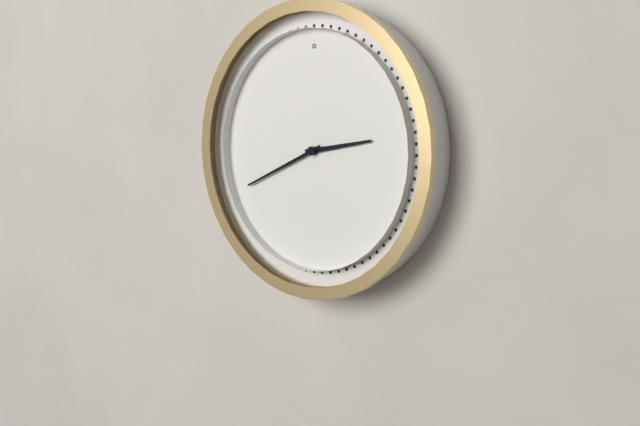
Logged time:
2,41
